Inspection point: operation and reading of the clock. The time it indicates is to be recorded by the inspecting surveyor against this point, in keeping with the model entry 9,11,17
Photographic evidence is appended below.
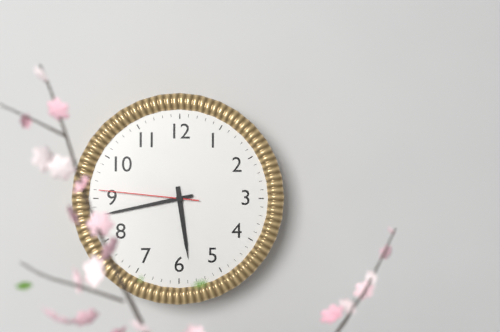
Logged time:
5,43,46
